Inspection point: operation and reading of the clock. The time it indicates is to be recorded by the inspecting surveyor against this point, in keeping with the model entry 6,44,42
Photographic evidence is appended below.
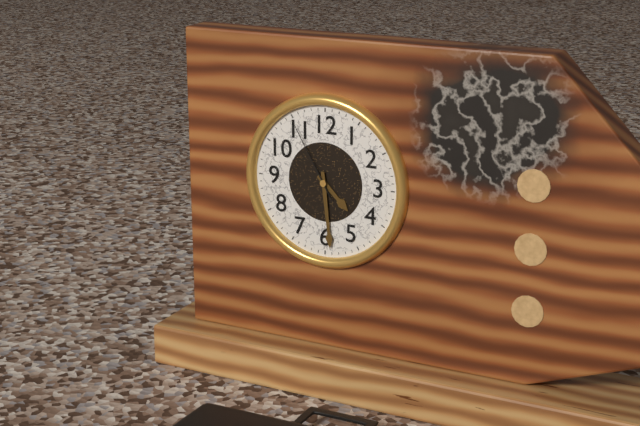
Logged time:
4,29,55
